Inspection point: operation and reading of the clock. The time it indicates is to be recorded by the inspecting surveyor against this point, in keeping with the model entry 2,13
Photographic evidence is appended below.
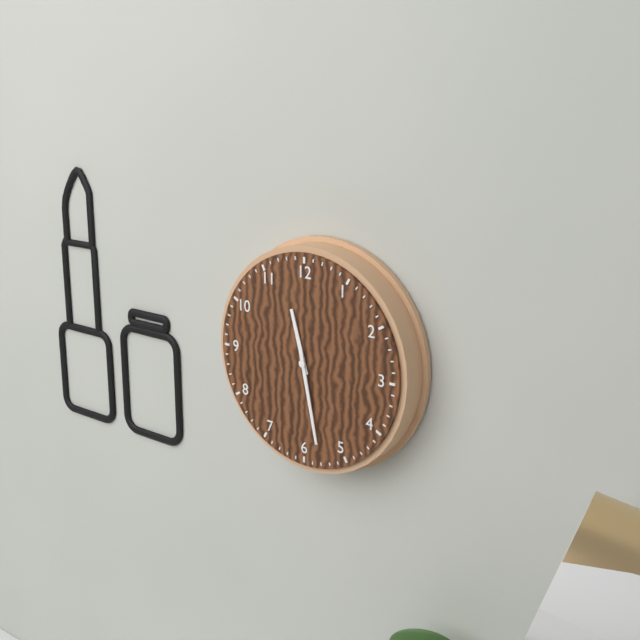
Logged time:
11,28
